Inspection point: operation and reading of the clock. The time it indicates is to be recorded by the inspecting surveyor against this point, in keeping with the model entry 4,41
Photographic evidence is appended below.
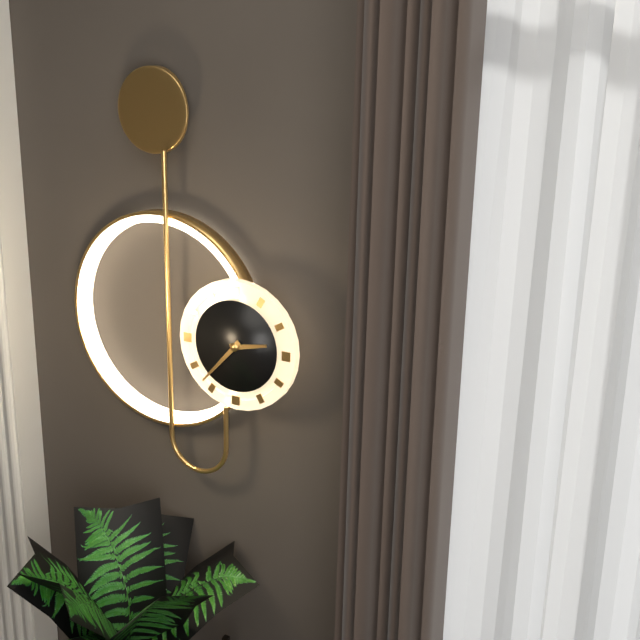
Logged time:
2,37
